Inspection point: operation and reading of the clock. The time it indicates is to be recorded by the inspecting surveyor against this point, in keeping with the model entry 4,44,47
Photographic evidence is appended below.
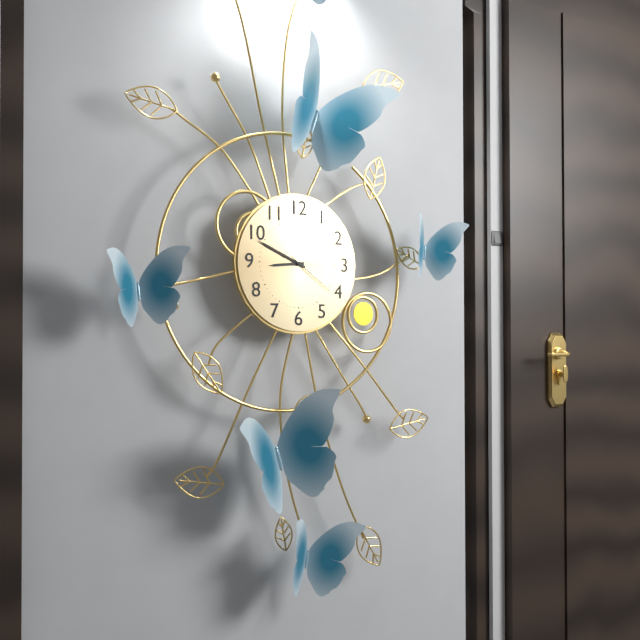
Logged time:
8,49,21
